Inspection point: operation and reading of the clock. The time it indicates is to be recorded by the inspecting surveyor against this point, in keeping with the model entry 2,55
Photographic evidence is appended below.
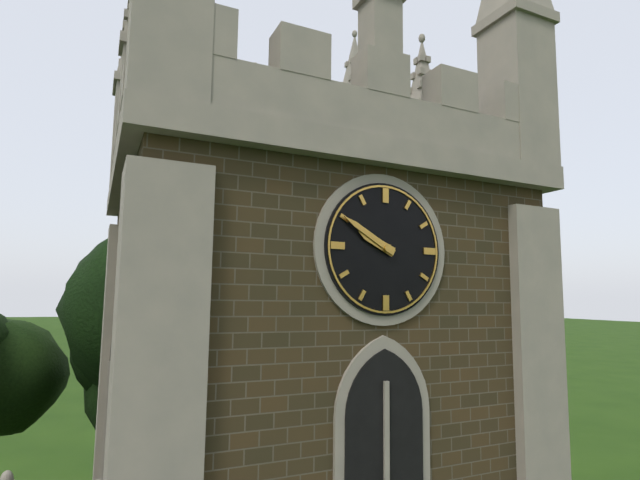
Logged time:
9,50
